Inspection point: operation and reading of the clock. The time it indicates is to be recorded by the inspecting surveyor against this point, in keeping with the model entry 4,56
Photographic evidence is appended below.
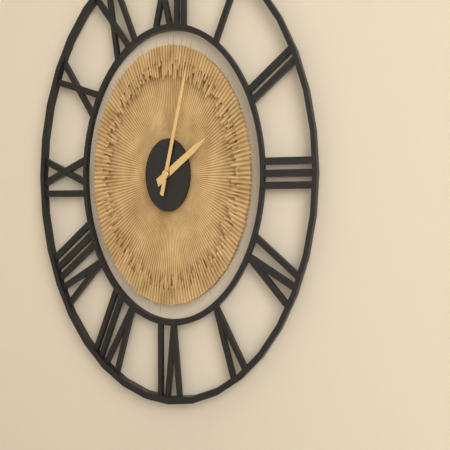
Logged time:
2,03
